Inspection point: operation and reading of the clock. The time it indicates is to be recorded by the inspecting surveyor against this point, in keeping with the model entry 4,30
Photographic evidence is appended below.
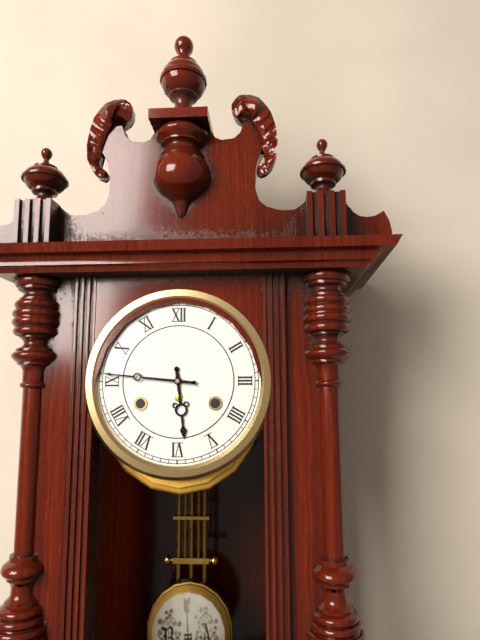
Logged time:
5,46
